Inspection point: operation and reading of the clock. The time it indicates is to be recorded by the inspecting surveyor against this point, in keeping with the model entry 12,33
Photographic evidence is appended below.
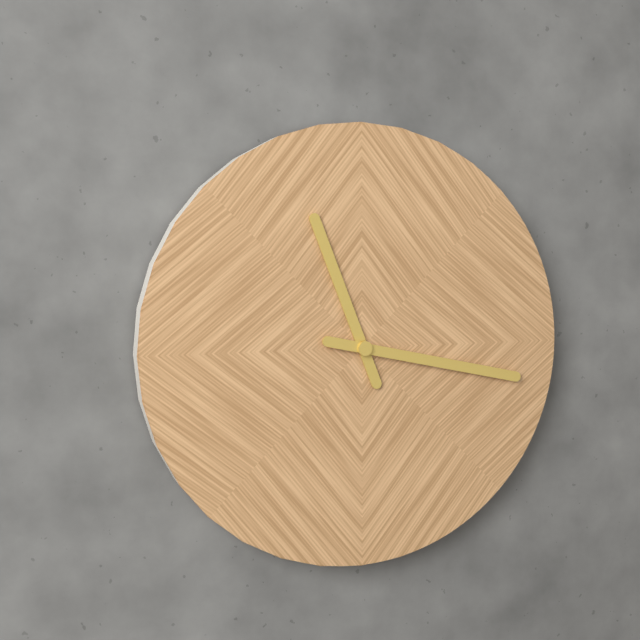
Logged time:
11,17
